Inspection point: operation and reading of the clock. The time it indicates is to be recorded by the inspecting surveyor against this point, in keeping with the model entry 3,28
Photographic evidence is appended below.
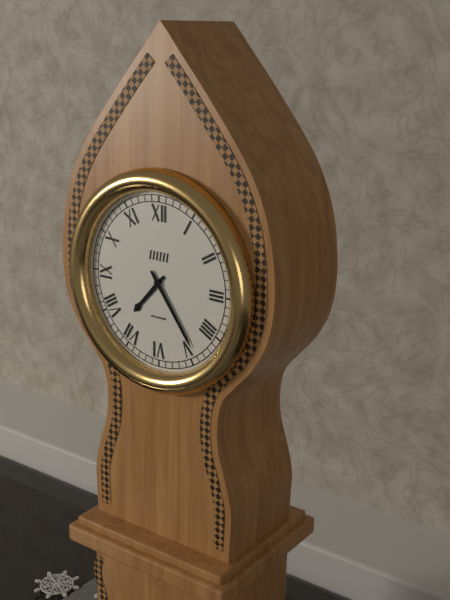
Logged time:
7,24
